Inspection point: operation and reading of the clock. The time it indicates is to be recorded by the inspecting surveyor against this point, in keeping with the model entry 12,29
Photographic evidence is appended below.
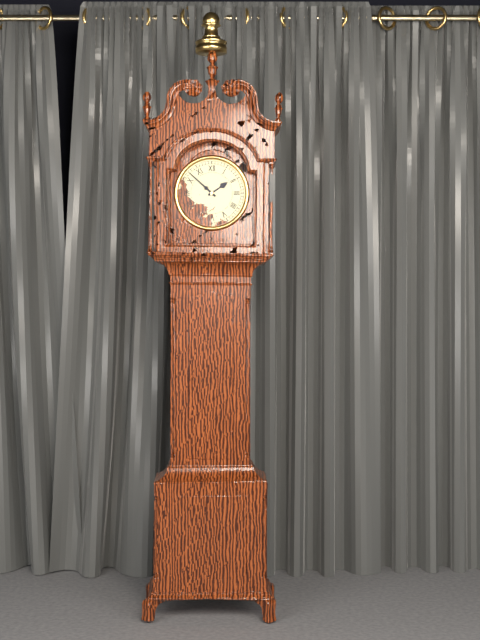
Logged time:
1,52
